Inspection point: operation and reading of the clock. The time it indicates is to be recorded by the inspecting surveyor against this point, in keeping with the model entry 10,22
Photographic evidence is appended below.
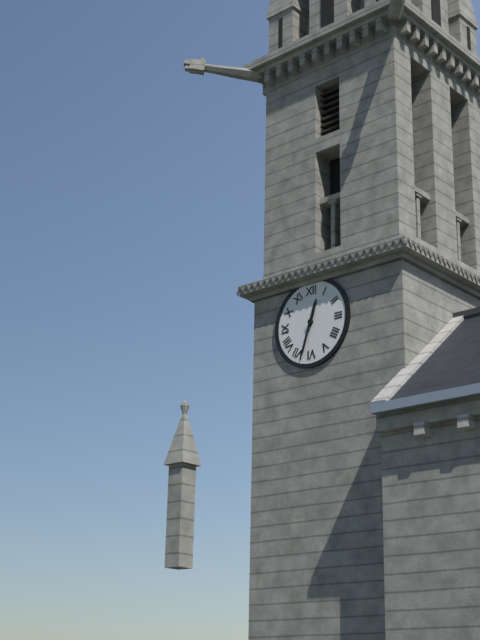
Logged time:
12,33
